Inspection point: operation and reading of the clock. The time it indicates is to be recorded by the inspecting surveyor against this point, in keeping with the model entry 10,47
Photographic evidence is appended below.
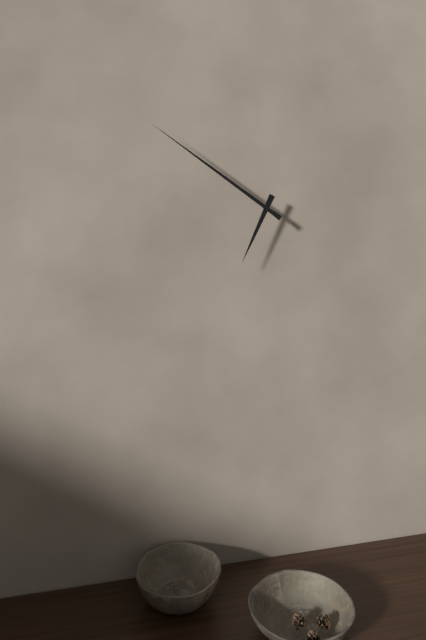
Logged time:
6,51
